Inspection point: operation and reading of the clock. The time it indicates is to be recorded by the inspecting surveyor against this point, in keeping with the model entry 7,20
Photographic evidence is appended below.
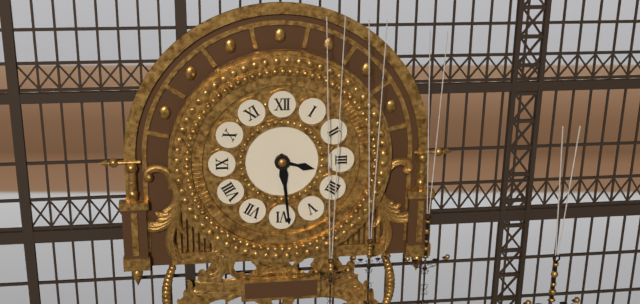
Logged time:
3,29
